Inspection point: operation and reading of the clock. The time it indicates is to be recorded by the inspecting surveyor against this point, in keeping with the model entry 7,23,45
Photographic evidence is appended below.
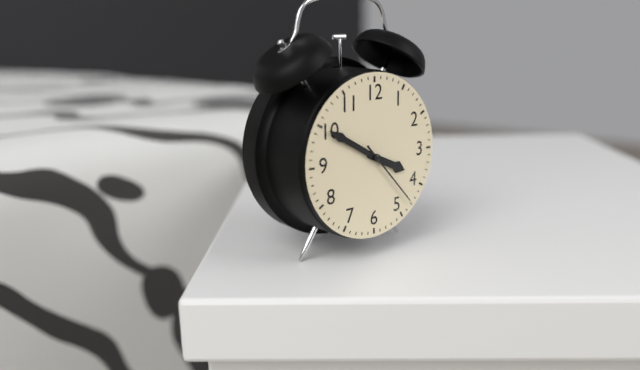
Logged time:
3,50,23
